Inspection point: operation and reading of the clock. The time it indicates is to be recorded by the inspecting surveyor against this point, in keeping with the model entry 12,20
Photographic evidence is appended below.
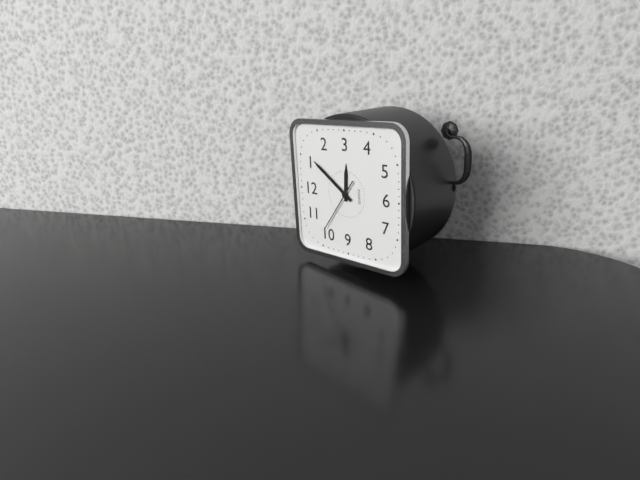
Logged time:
3,06
